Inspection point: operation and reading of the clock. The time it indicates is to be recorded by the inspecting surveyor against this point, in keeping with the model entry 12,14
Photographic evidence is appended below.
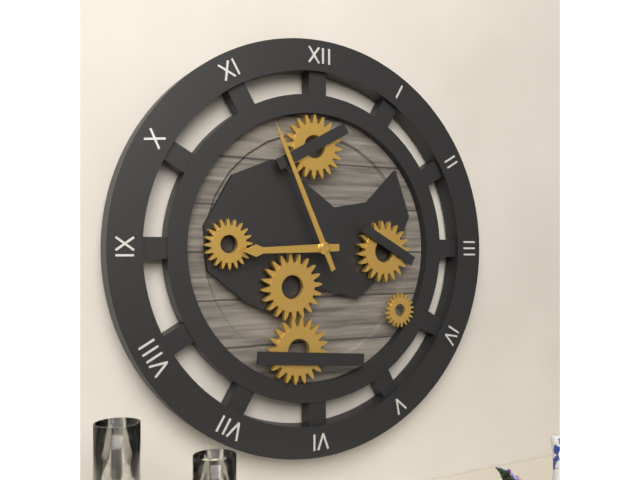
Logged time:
8,56
